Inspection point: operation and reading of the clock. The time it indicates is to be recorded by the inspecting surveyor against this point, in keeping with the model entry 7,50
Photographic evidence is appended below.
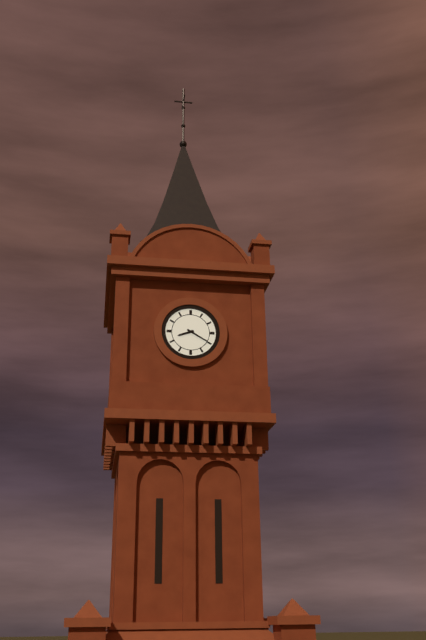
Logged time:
8,20
